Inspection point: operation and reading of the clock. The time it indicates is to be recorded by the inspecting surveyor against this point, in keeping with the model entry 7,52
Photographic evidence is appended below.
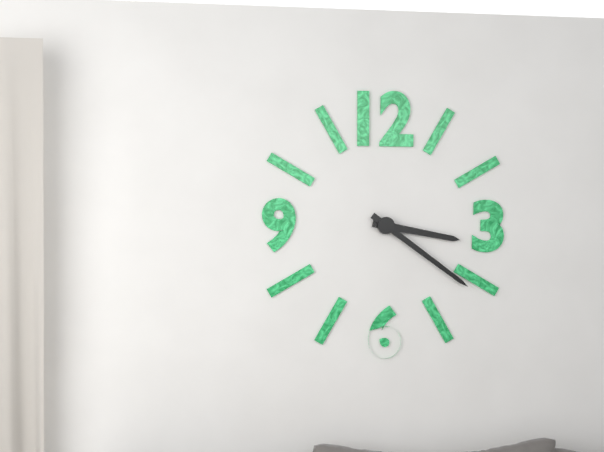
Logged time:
3,21
